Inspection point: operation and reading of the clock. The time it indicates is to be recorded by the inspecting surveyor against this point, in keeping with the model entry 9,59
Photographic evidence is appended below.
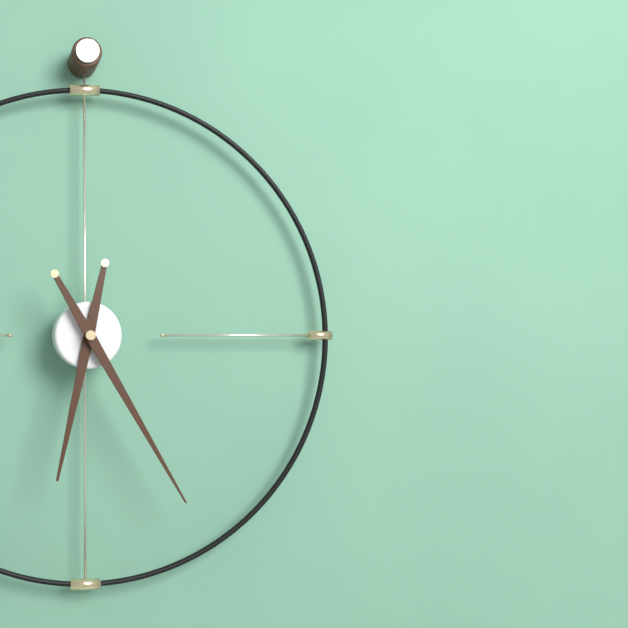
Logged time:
6,25
